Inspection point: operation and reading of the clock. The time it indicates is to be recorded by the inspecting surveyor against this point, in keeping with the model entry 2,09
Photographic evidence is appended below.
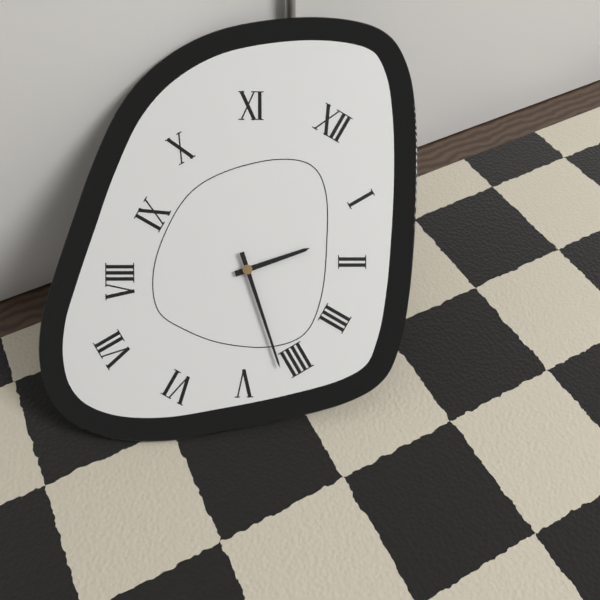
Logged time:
1,22
